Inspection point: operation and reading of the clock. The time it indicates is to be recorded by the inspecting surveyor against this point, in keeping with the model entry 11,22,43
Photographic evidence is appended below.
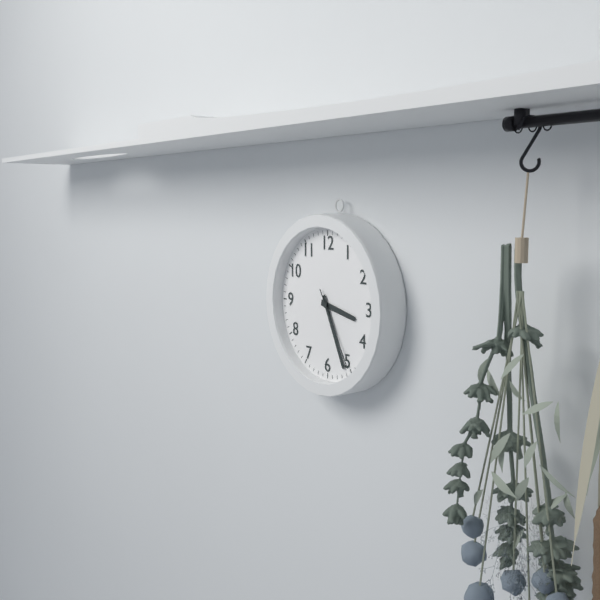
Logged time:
3,26,25
